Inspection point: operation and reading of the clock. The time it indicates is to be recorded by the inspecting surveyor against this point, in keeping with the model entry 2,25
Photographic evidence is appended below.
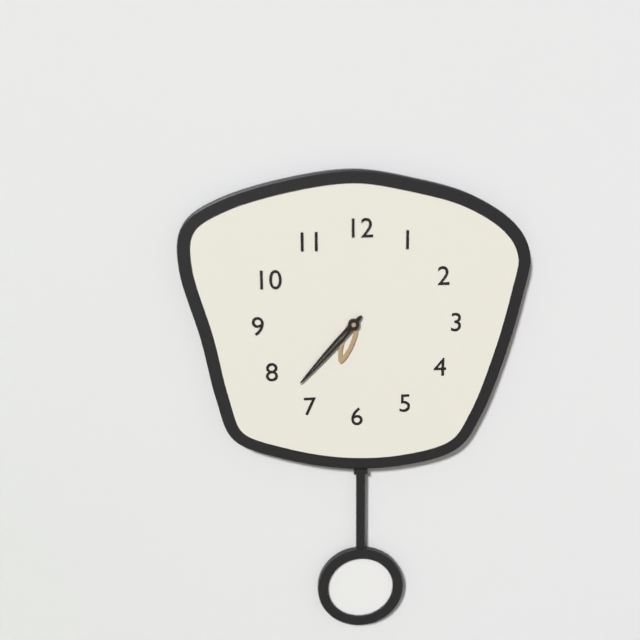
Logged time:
6,37
